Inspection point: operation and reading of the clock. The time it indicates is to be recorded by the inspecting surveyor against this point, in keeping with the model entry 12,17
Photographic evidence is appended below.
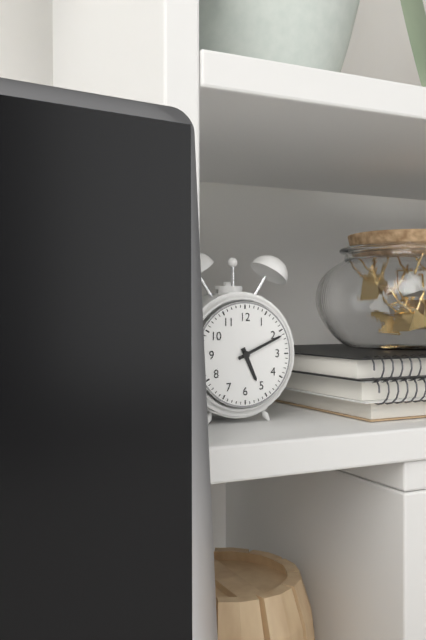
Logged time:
5,11
